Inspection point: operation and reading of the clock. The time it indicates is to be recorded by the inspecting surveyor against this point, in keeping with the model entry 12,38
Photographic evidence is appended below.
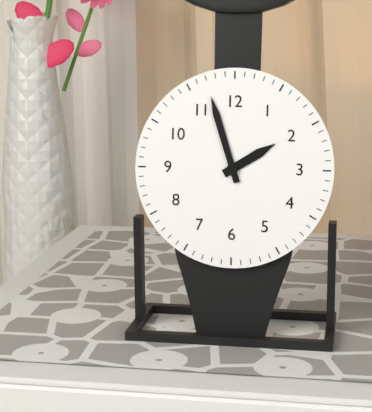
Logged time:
1,57
